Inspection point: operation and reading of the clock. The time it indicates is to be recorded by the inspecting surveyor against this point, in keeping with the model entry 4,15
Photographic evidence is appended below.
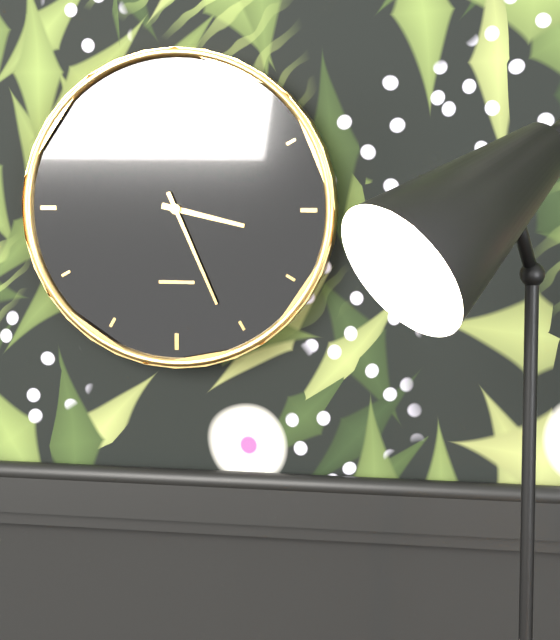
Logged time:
3,26
